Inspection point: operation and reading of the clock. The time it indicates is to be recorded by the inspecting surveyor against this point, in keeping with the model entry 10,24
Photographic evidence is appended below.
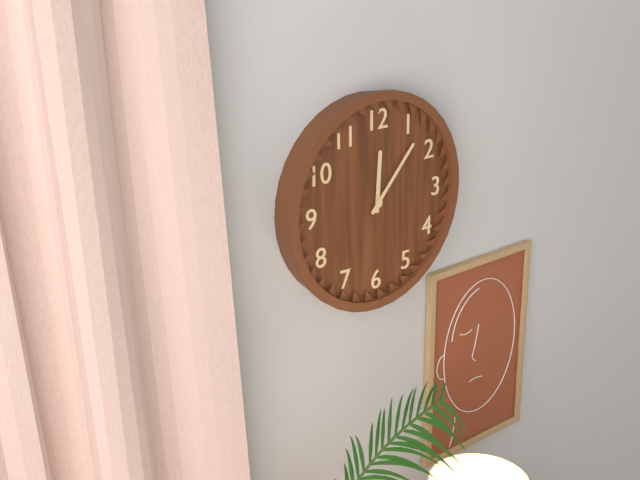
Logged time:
12,07
